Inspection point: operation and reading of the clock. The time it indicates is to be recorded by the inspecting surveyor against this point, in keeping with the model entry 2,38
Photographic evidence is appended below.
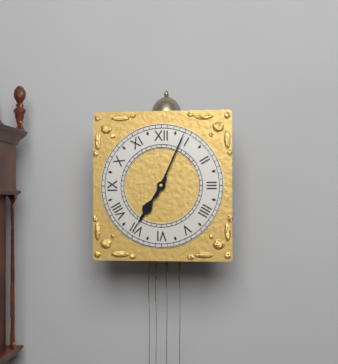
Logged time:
7,04
